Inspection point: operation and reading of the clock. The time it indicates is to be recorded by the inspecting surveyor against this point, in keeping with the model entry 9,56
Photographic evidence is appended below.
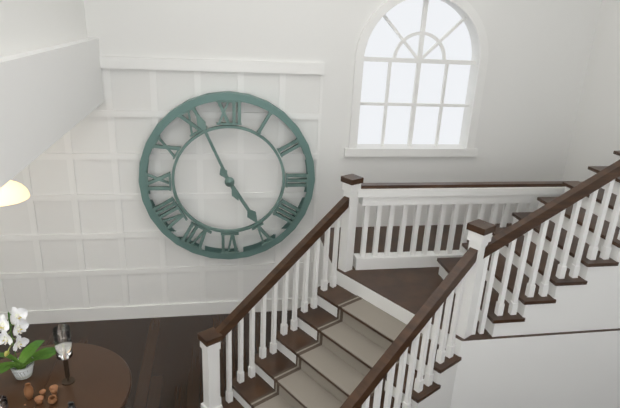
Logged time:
4,56
